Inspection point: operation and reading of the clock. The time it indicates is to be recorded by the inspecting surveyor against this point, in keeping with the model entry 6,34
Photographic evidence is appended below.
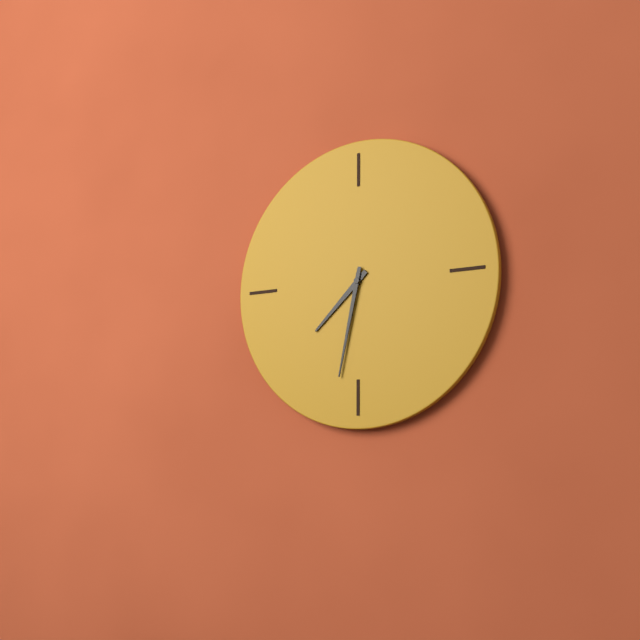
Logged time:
7,32
